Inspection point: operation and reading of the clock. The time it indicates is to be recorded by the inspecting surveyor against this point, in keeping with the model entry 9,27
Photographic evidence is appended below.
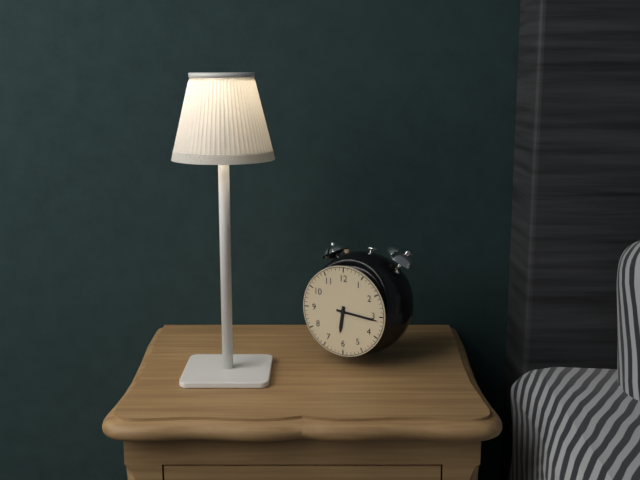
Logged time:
6,16
